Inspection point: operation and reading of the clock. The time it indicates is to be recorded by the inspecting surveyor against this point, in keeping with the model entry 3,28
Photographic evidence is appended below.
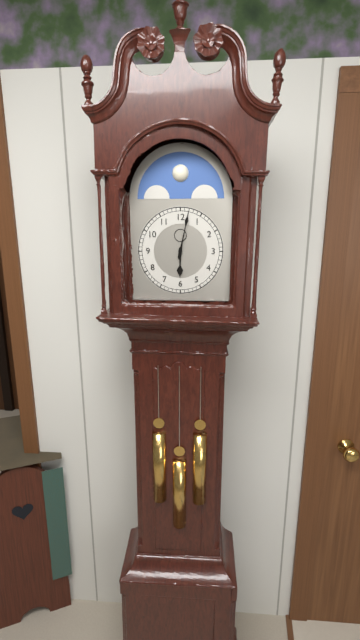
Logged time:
6,02
